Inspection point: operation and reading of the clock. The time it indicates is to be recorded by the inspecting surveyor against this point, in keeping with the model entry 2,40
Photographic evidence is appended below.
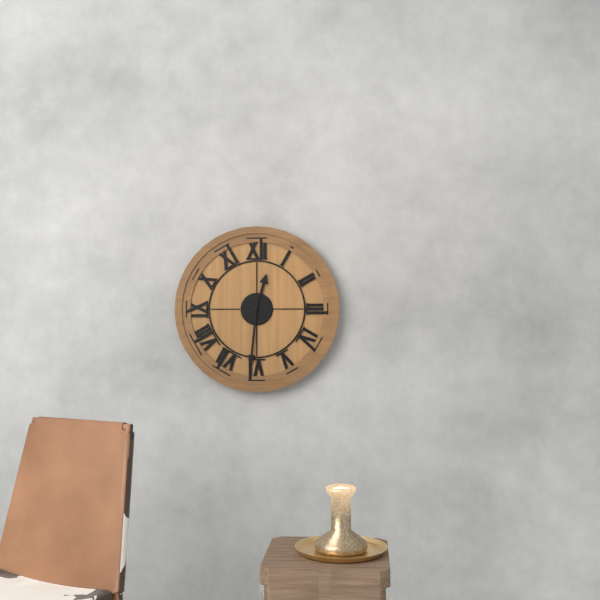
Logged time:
12,31
